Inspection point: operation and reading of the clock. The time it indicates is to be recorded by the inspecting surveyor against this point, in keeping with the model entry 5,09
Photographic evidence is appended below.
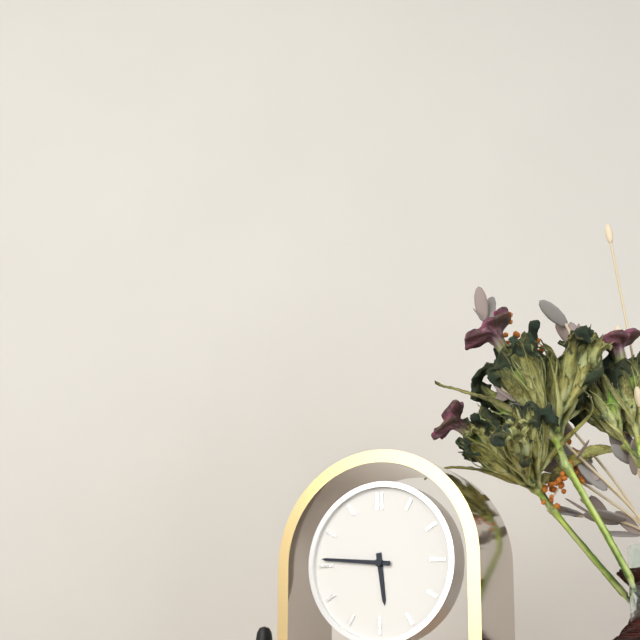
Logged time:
5,46
